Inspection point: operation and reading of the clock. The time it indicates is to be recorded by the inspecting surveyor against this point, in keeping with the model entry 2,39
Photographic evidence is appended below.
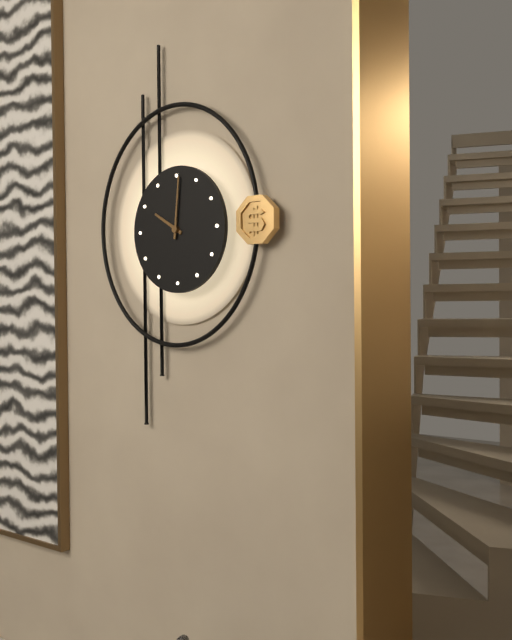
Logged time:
10,01
